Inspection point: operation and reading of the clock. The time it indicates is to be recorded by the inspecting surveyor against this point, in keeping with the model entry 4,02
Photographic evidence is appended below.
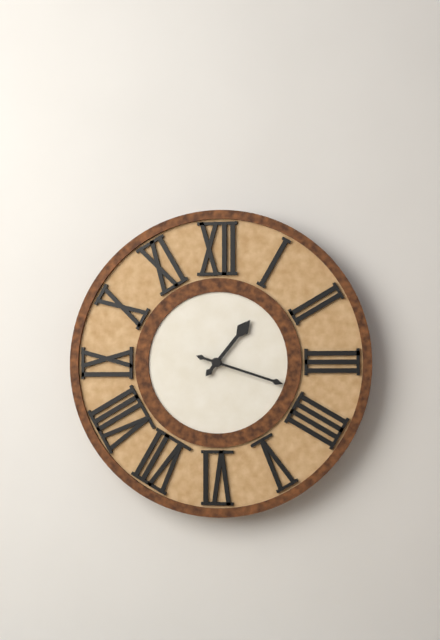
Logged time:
1,18
